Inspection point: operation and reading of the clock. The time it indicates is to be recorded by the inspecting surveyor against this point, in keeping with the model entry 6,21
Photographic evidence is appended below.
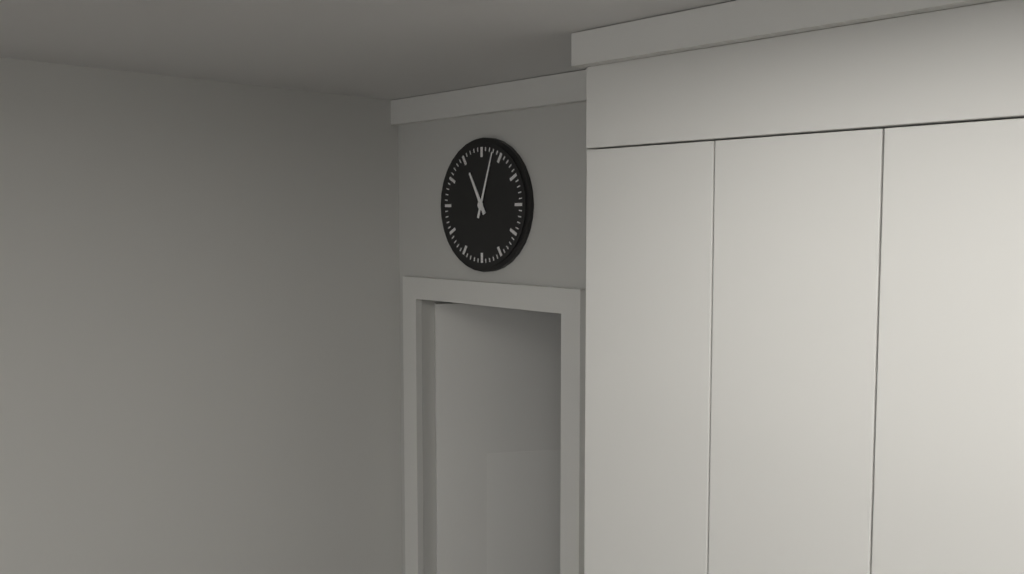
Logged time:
11,03
